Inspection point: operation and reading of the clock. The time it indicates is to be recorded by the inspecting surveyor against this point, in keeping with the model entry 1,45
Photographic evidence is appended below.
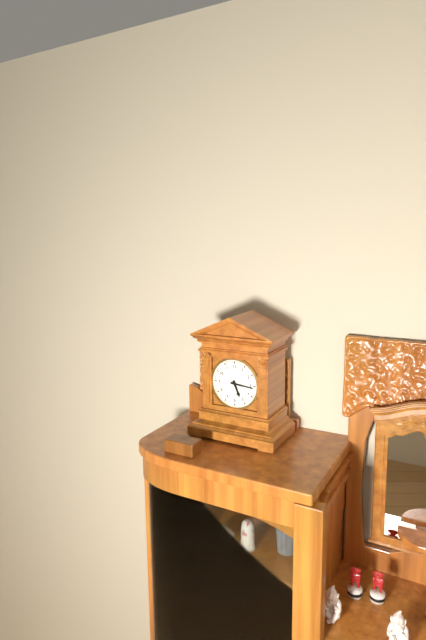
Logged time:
5,16
